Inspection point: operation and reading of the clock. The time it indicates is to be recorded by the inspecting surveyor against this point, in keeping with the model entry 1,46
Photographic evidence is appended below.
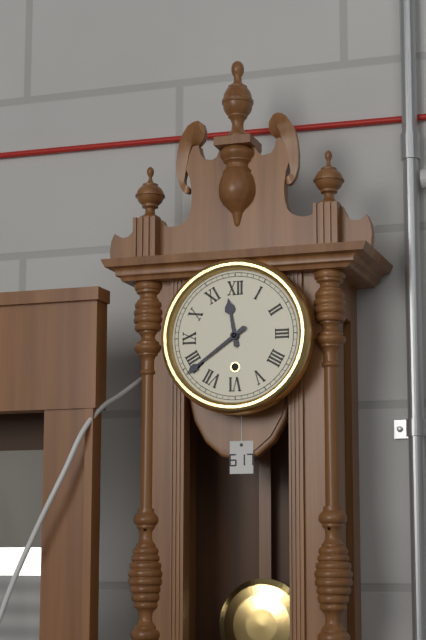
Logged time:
11,39
